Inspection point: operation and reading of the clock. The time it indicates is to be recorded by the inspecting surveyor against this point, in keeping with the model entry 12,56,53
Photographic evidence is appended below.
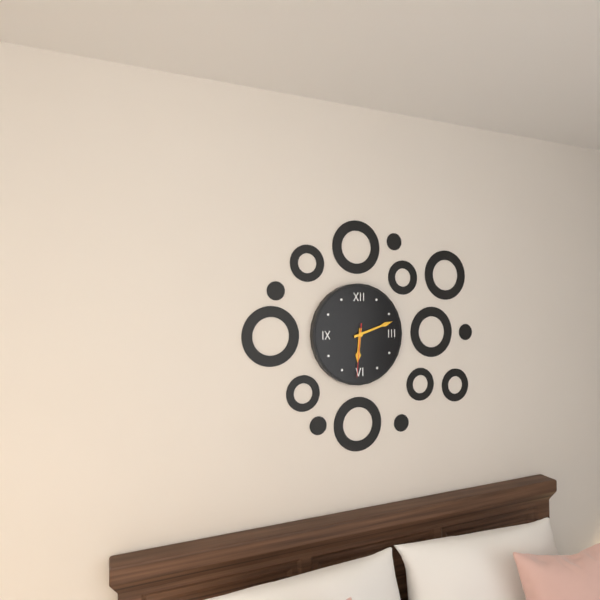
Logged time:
6,12,31
